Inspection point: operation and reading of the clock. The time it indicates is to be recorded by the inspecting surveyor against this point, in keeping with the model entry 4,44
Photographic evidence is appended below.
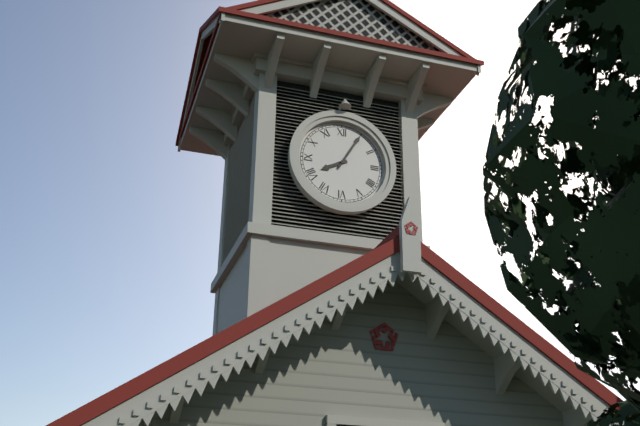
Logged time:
8,05
